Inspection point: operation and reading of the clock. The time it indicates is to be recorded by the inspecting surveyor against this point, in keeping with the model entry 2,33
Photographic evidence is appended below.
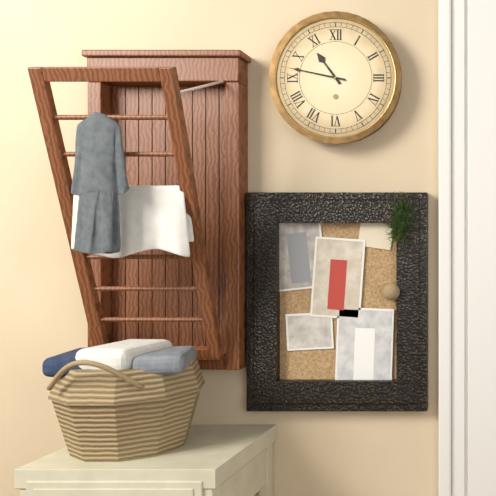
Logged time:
10,47
